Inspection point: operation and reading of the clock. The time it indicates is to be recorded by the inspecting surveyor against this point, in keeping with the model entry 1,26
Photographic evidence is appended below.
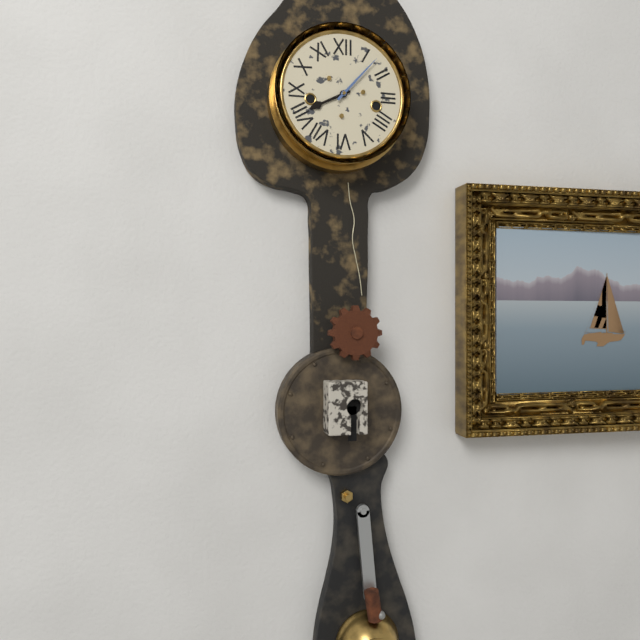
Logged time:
8,07
